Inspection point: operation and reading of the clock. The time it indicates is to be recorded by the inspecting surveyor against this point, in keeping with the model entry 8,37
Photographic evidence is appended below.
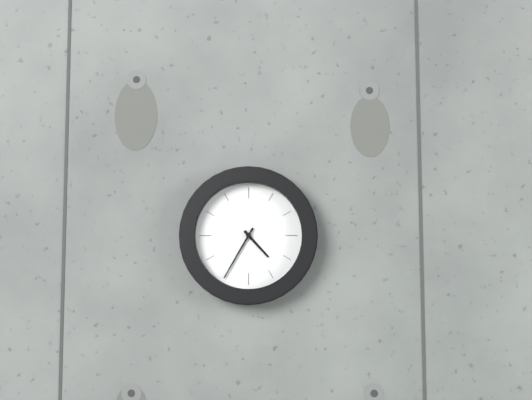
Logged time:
4,35
